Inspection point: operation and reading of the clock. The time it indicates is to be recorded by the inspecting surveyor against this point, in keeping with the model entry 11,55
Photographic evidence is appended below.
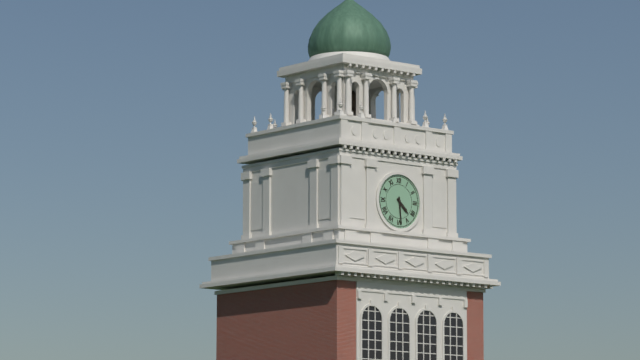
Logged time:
4,29
